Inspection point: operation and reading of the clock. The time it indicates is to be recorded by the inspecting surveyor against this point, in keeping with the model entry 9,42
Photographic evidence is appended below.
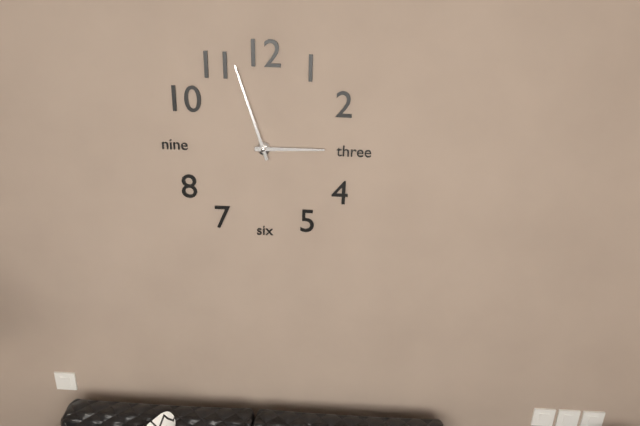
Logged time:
2,57
